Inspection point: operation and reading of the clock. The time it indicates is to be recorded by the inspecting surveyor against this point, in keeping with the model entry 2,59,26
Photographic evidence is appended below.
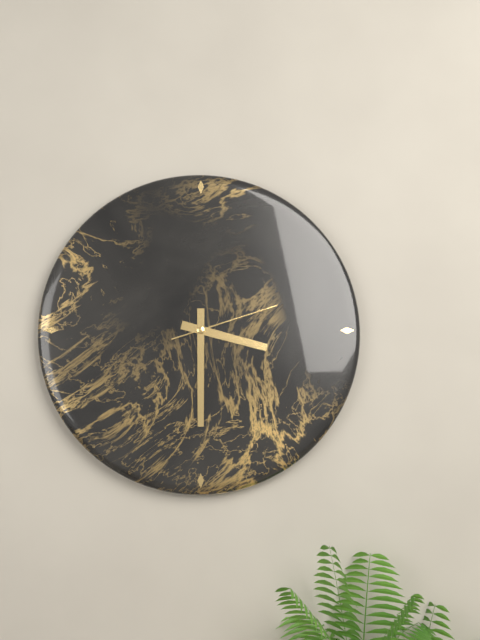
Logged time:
3,30,12
